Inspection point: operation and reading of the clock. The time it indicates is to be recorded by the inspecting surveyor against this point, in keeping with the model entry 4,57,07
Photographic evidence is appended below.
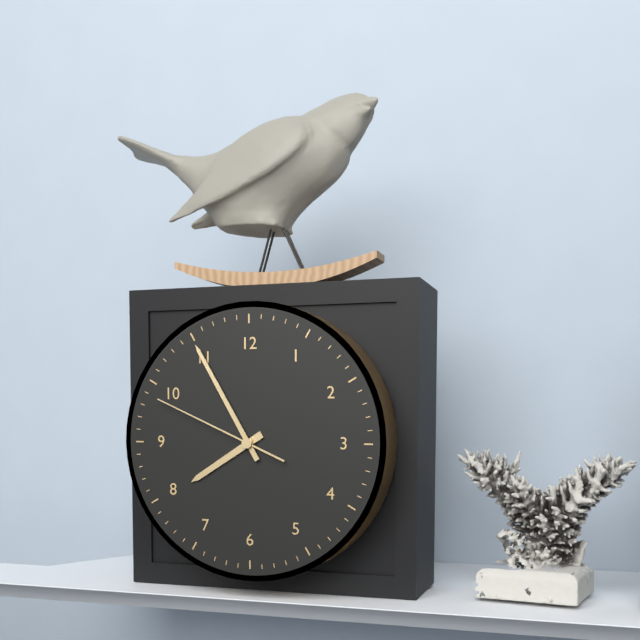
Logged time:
7,55,49
